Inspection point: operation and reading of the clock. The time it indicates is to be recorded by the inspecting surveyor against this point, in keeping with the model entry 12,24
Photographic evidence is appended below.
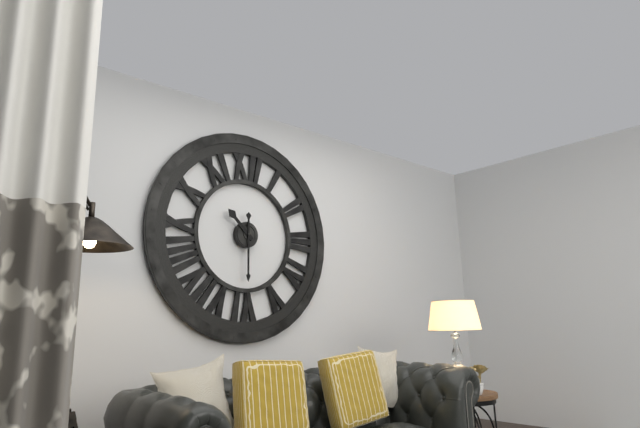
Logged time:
10,30
